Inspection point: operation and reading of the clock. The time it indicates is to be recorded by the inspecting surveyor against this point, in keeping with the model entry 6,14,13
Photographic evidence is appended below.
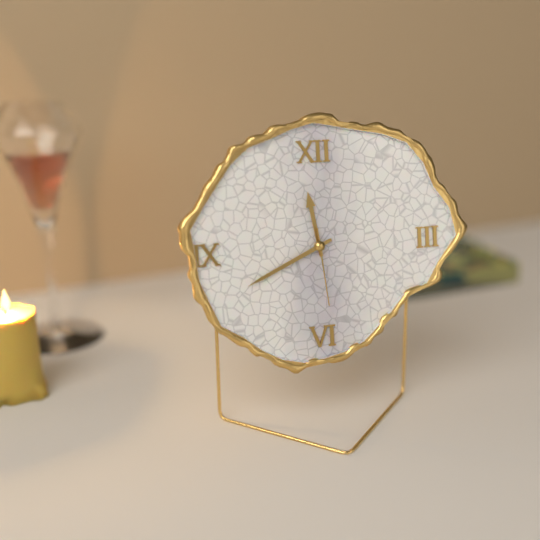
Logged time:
11,41,29
